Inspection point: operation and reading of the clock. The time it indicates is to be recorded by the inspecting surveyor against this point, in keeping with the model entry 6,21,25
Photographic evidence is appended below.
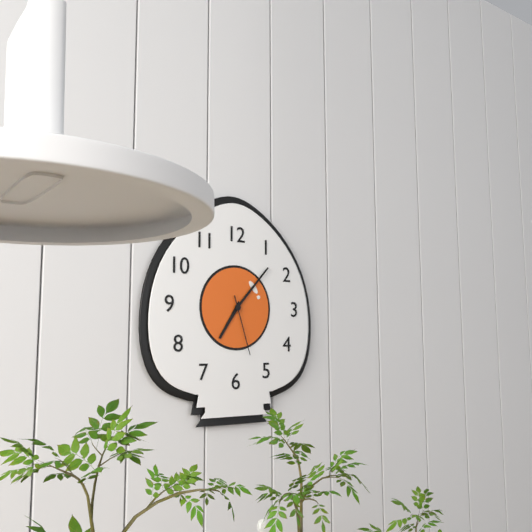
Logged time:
7,07,27
